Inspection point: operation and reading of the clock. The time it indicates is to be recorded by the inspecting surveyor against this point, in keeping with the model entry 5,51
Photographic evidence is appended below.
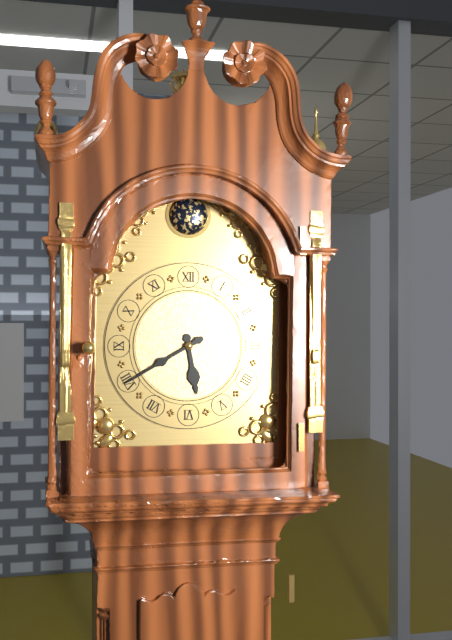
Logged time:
5,40
